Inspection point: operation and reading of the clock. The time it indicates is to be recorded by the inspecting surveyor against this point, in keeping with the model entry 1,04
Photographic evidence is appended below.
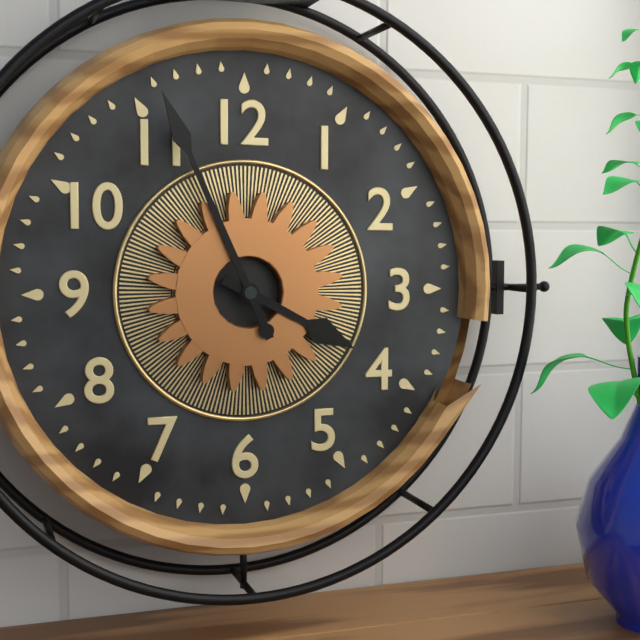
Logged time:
3,56
